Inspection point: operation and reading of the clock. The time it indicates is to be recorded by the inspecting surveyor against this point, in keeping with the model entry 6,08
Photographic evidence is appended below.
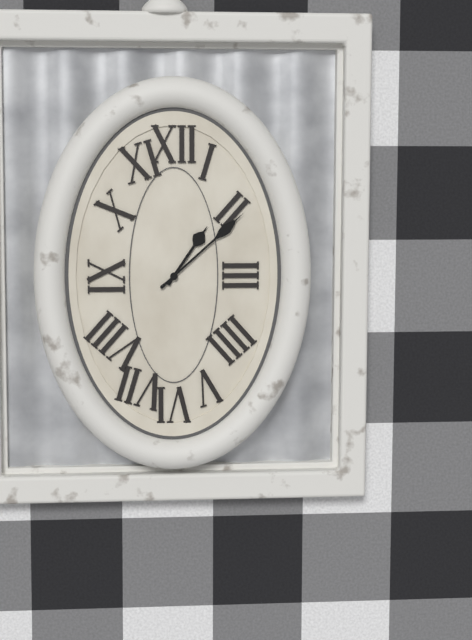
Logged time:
1,08
